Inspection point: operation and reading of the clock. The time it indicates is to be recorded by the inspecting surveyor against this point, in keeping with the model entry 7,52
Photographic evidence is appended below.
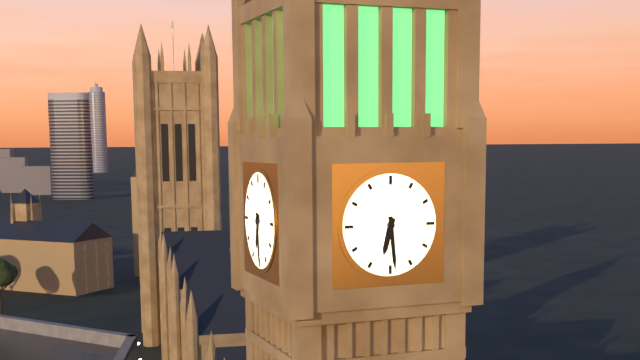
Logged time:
6,29
